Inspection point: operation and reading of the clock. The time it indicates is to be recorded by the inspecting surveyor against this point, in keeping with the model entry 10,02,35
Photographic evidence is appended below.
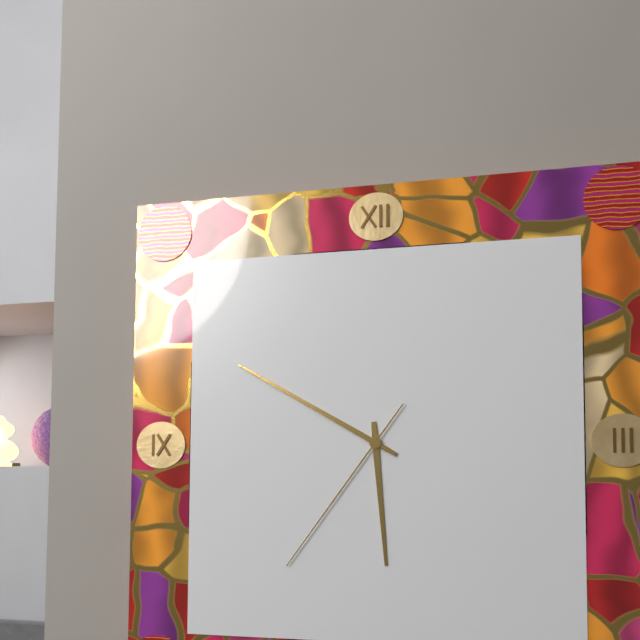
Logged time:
5,50,36
